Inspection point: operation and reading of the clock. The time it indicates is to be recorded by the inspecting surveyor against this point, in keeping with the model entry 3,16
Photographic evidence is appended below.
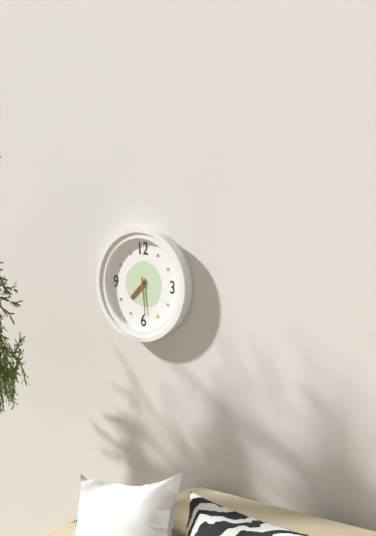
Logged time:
7,29
